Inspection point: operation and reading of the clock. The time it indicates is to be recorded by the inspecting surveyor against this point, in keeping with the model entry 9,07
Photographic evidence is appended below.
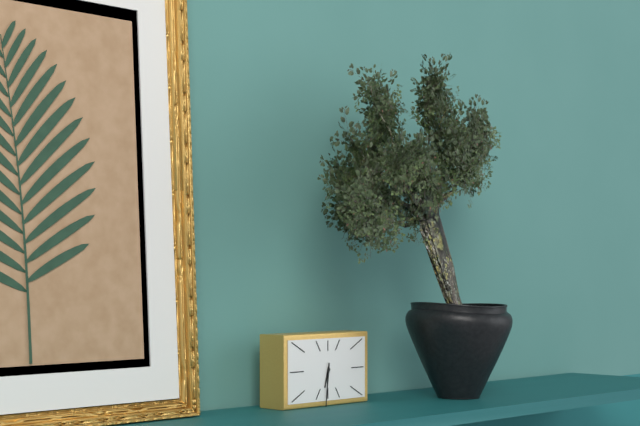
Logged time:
6,31
